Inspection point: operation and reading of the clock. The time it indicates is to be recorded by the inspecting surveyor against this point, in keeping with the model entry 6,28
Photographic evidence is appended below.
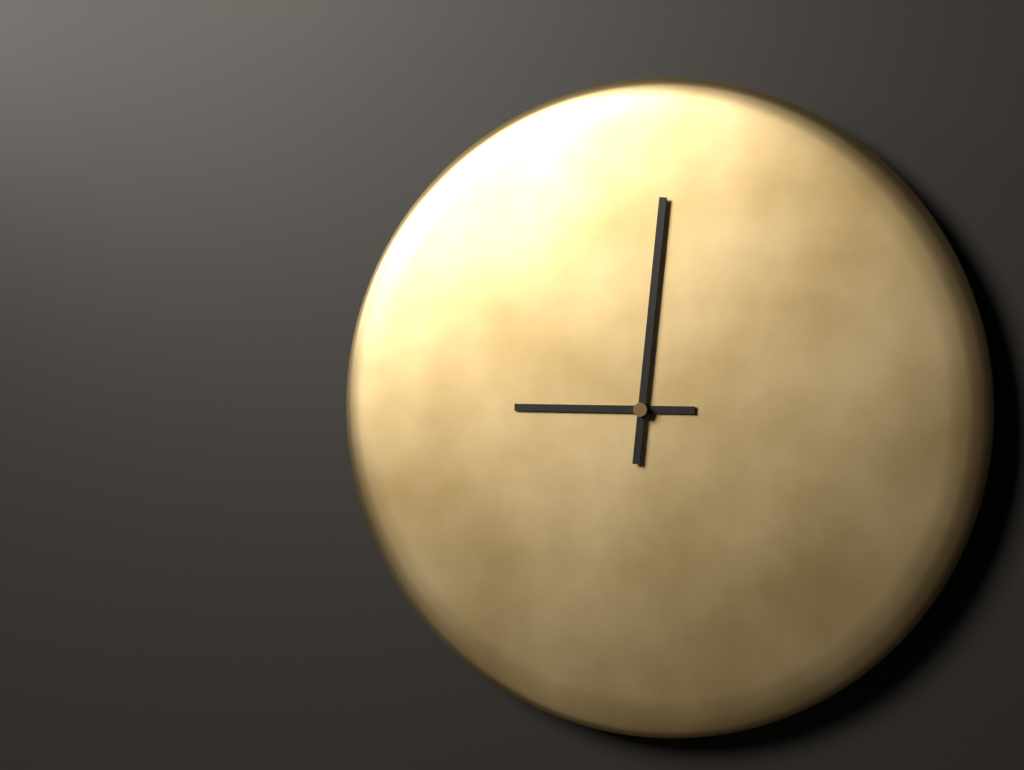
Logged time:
9,01
